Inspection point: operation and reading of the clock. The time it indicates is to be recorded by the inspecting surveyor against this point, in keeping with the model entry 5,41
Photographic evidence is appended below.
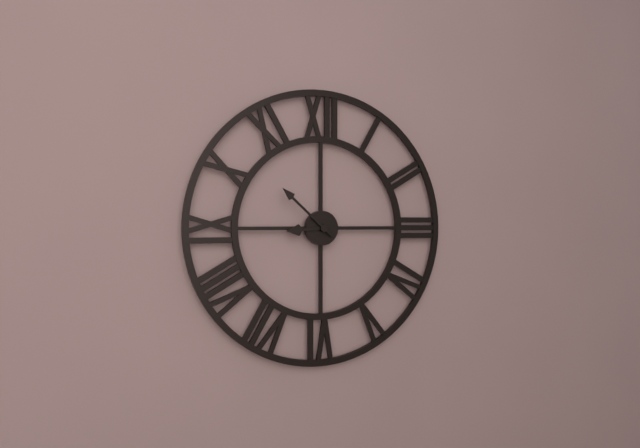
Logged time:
8,52
